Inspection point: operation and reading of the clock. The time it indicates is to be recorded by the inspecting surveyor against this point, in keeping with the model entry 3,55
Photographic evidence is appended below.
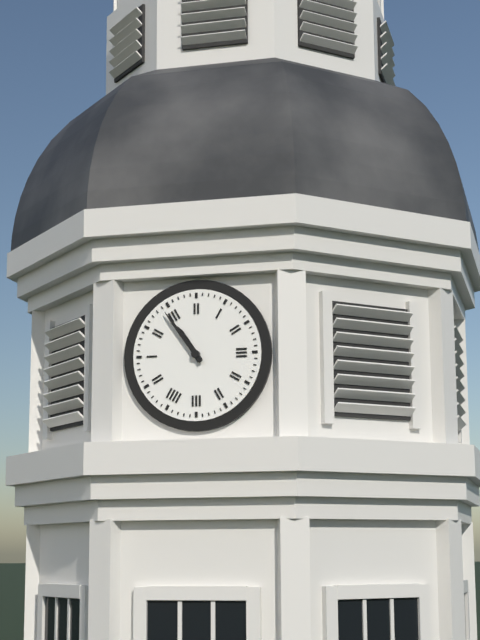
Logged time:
10,54
